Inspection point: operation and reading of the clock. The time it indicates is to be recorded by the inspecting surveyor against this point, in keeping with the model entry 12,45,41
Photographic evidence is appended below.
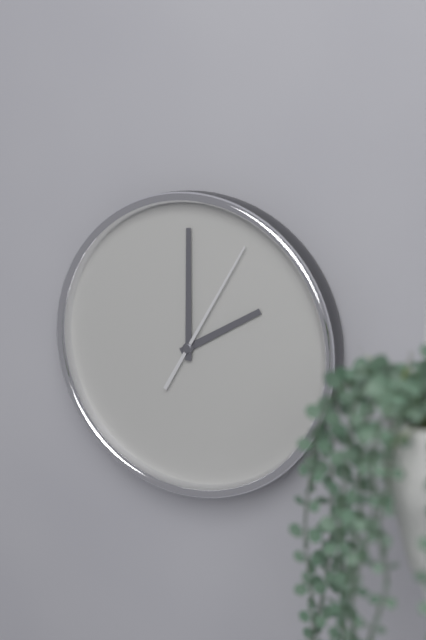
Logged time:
2,00,05
